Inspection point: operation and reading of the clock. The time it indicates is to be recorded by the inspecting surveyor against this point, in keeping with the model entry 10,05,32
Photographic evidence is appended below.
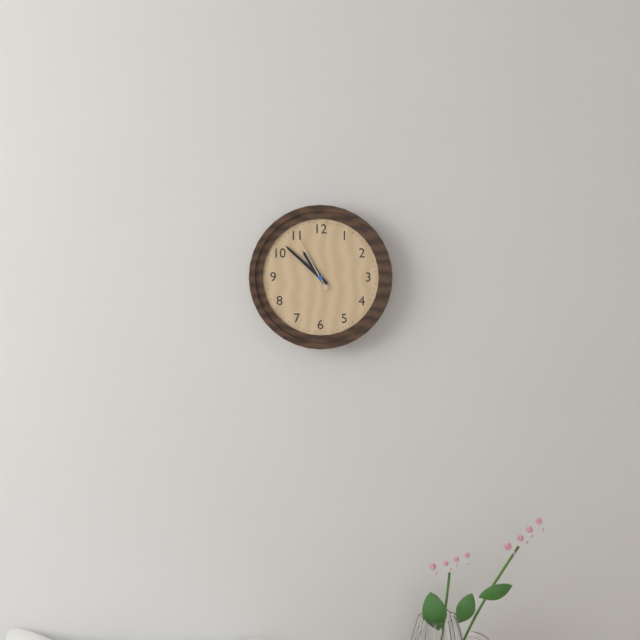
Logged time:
10,52,55
